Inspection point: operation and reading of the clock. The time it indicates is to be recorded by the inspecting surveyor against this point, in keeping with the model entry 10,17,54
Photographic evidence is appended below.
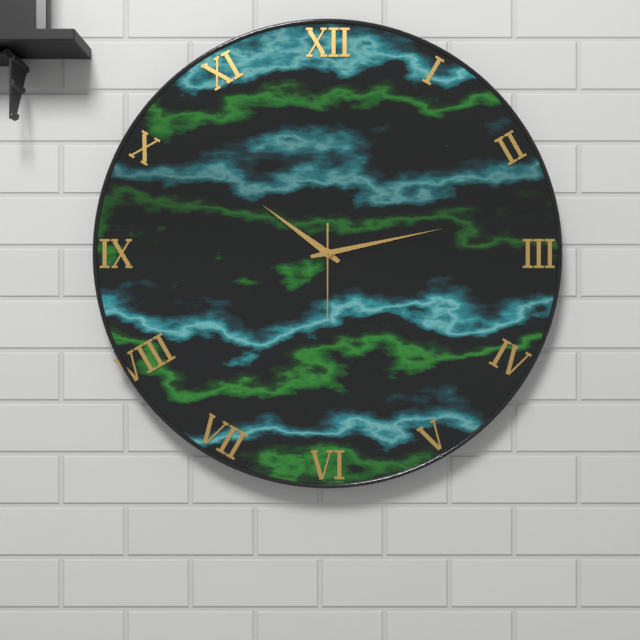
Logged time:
10,13,30
